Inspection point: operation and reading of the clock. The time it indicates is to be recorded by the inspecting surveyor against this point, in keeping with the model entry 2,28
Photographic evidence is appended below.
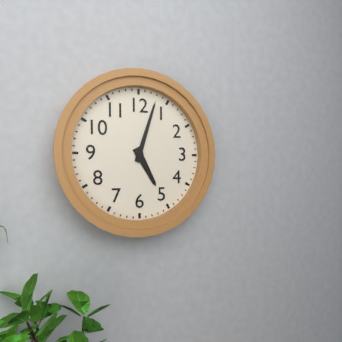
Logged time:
5,03
